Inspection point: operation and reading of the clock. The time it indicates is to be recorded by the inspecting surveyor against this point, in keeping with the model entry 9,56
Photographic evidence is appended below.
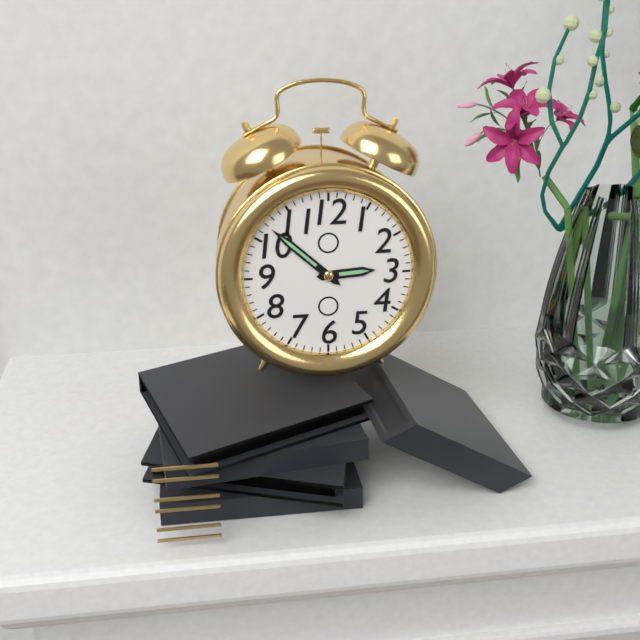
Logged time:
2,52
